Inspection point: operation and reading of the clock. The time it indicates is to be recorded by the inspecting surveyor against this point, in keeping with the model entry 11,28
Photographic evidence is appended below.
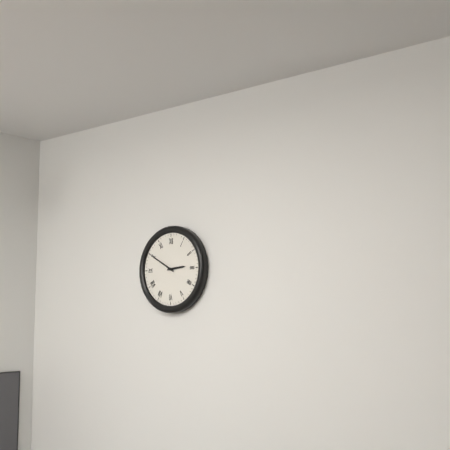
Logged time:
2,50
